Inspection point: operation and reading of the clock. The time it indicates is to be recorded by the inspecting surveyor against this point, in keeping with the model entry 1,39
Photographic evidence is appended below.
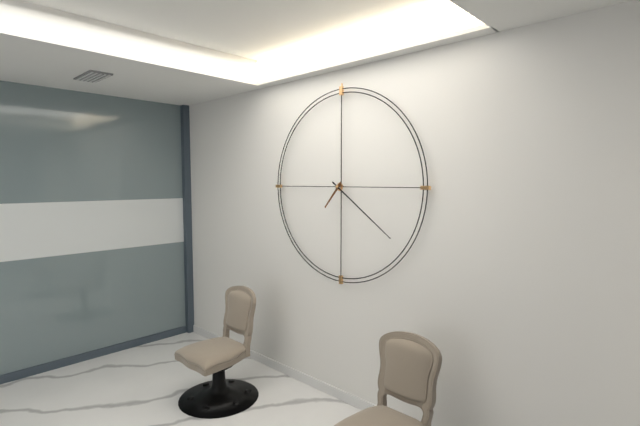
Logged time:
7,21
